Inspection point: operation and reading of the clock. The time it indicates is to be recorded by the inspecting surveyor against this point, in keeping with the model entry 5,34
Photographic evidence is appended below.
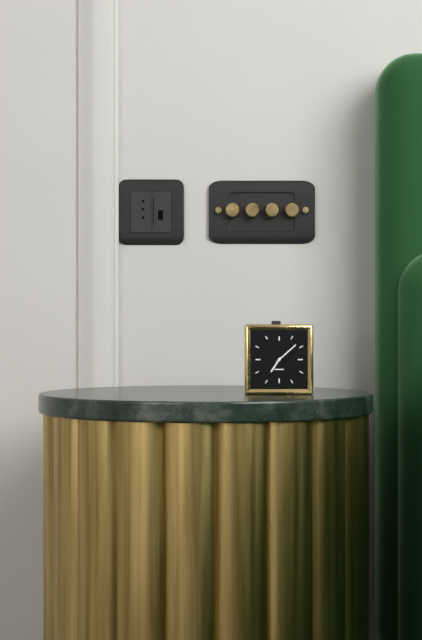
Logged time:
7,08
